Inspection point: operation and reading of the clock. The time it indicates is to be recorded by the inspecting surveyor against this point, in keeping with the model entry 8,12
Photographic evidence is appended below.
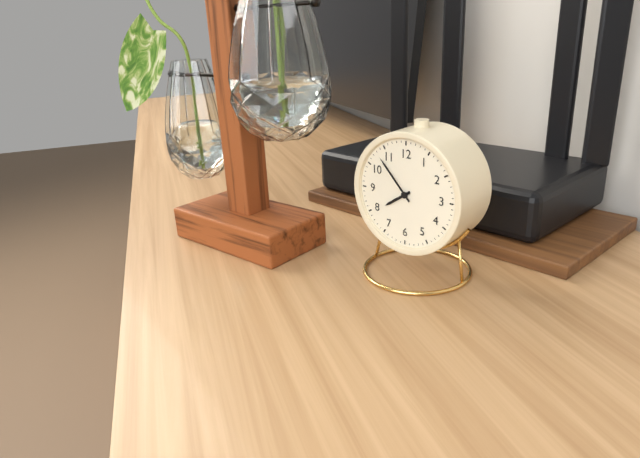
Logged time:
7,53
